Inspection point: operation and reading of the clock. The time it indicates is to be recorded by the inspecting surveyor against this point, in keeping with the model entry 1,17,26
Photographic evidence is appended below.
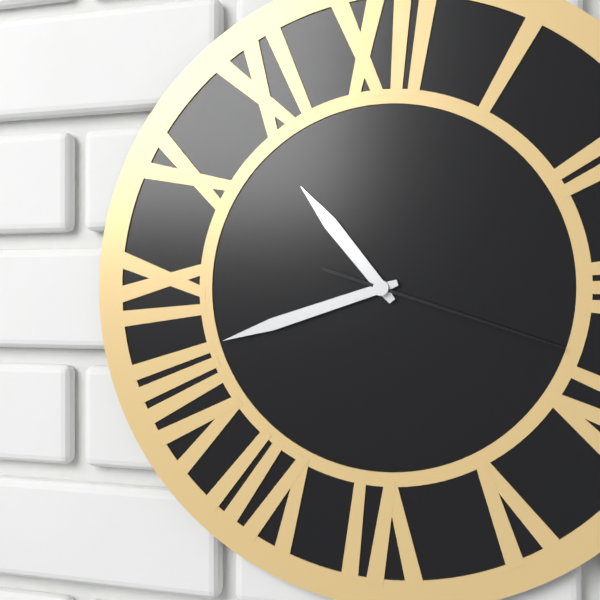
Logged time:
10,42,18
